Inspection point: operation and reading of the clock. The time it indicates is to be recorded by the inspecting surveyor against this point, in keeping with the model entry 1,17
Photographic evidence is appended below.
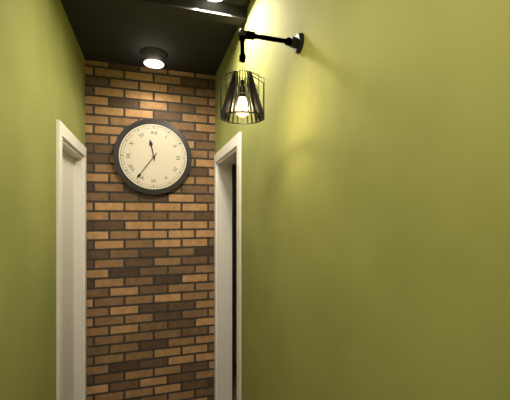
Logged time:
11,36
